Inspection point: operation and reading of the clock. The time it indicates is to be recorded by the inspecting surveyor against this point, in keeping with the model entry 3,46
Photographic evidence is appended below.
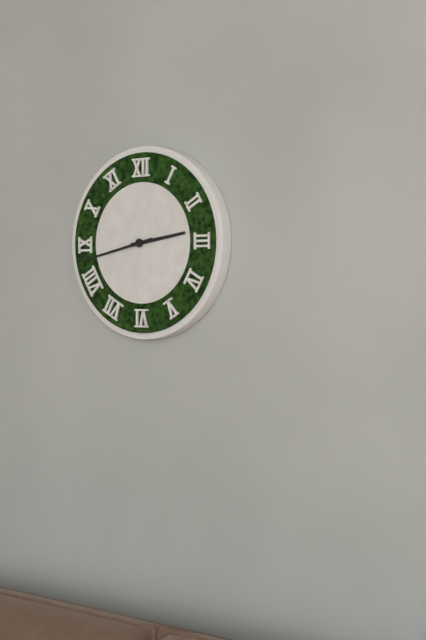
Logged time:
2,43
